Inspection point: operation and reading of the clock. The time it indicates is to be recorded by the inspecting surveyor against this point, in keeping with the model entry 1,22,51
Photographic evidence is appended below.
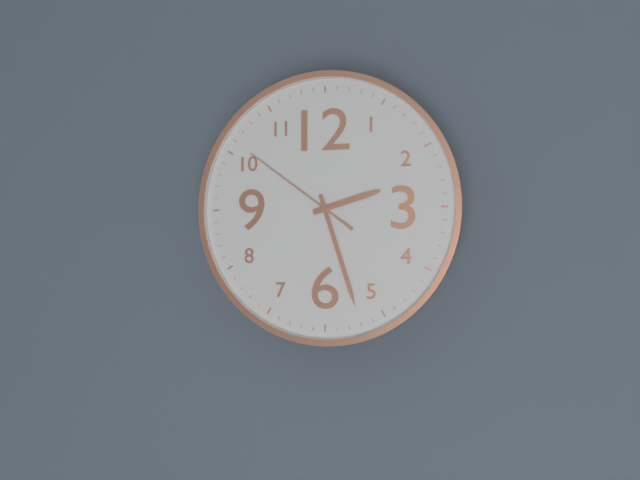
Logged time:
2,27,51
